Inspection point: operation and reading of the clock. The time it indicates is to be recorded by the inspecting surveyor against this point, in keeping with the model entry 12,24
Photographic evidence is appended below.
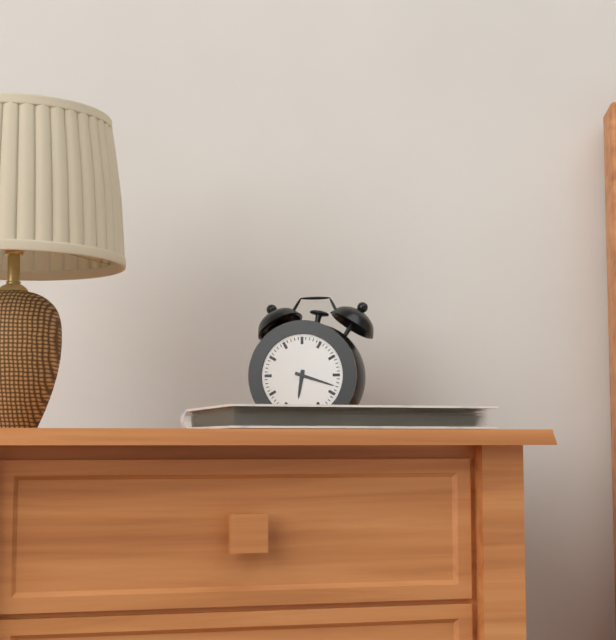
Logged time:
6,18
